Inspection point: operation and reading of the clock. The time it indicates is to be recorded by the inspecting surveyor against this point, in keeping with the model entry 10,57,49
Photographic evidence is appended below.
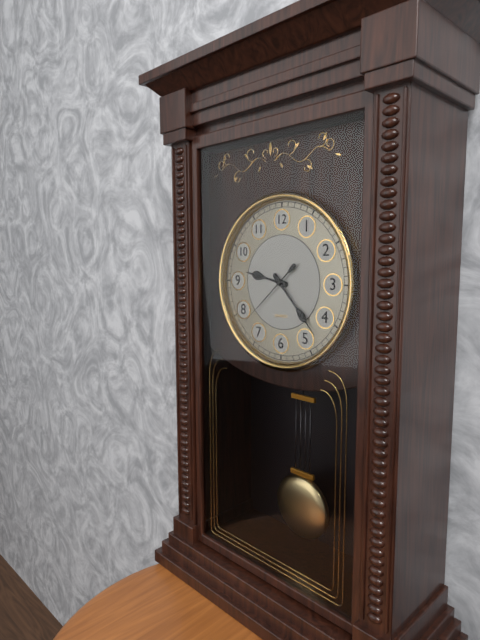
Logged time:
9,23,38
